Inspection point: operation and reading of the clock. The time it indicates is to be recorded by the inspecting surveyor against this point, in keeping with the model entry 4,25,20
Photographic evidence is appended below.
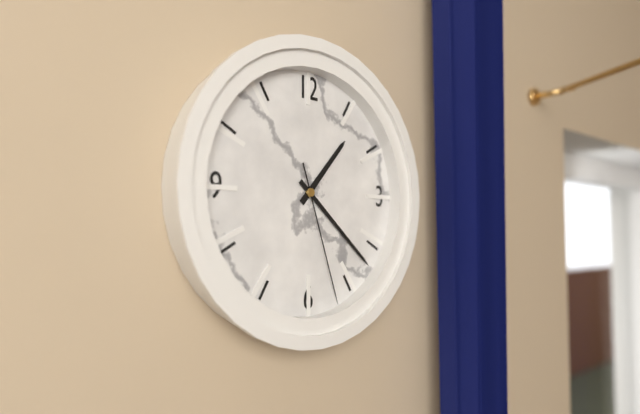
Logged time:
1,22,27
